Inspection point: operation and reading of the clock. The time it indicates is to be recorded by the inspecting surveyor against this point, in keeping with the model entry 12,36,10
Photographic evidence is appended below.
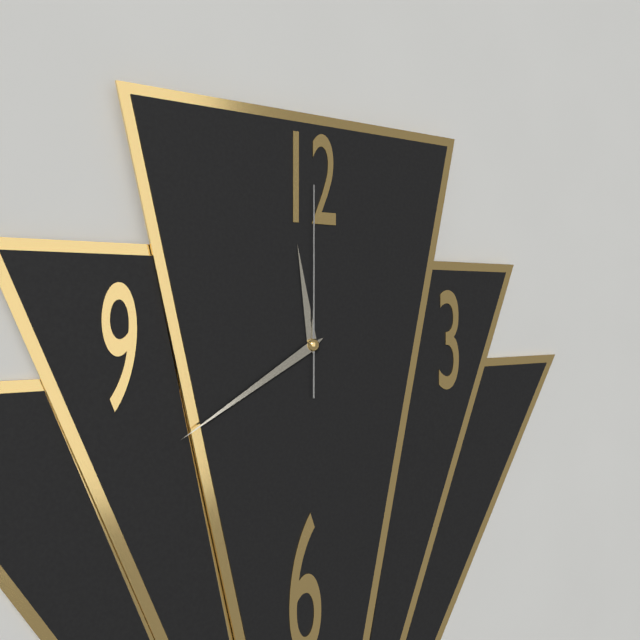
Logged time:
11,40,00
